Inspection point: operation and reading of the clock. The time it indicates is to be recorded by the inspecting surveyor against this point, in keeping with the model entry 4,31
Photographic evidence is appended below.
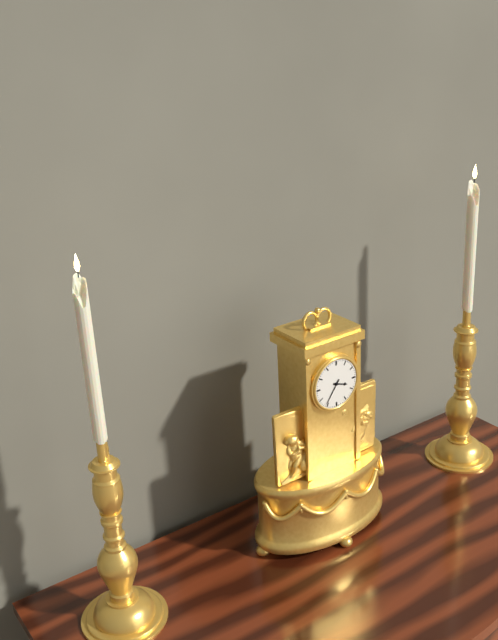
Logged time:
3,36
